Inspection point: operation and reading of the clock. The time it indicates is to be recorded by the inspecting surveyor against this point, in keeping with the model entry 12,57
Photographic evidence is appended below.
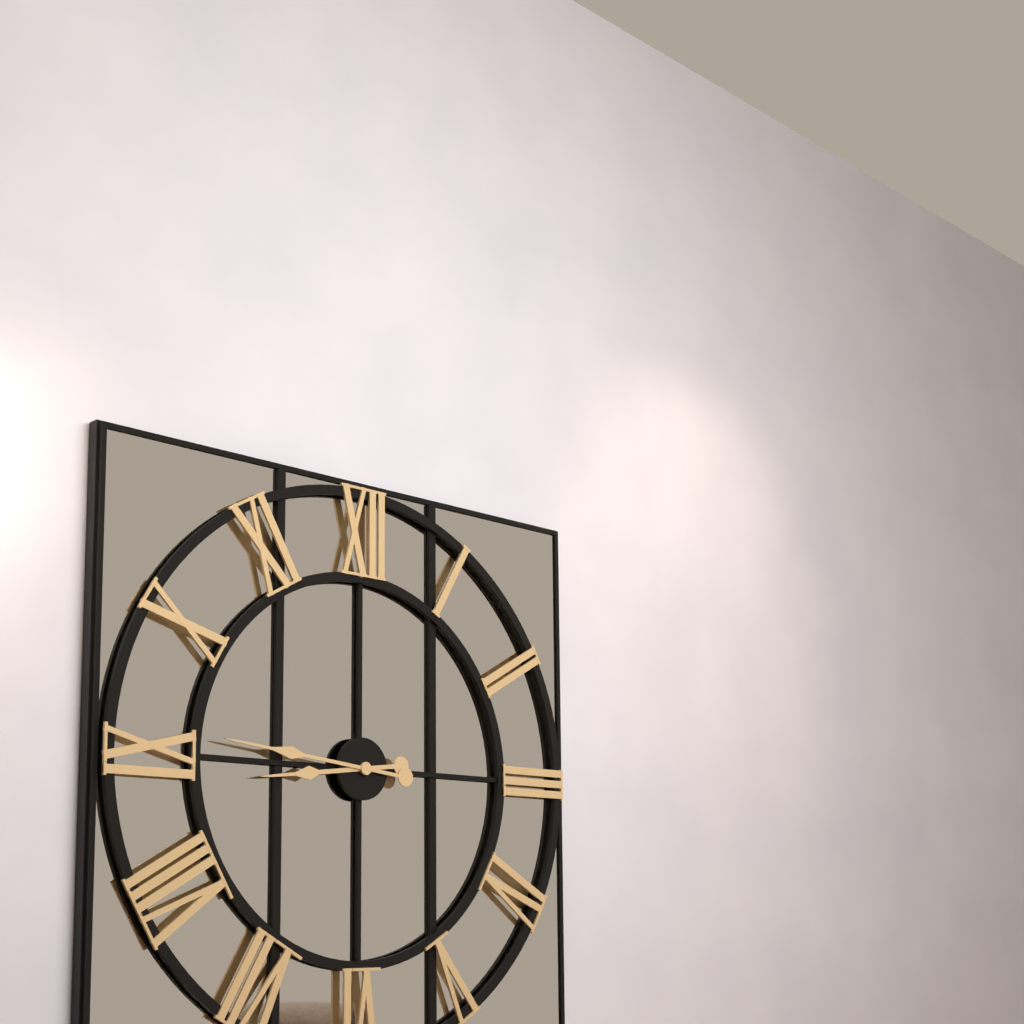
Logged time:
8,46
